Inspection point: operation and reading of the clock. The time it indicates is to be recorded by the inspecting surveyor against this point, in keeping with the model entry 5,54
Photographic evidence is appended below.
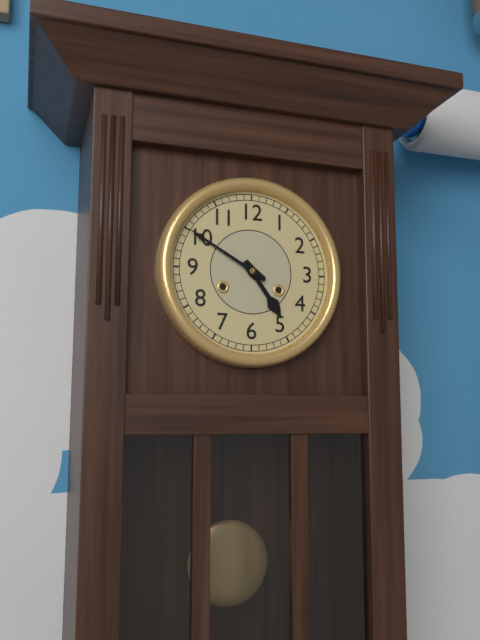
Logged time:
4,50
